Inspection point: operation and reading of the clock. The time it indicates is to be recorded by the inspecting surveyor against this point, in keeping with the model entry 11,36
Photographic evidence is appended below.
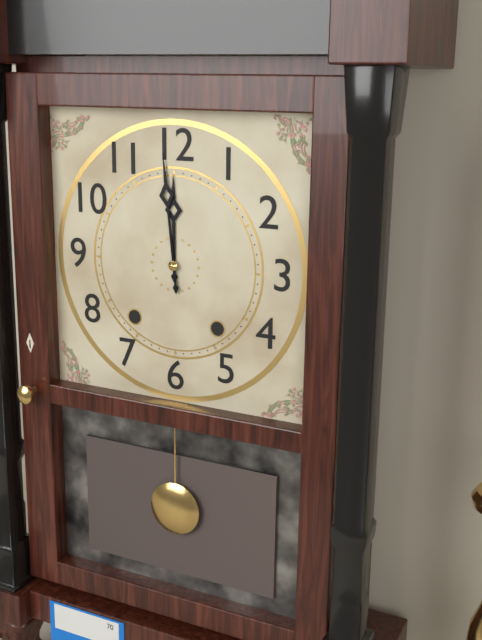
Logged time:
11,59
